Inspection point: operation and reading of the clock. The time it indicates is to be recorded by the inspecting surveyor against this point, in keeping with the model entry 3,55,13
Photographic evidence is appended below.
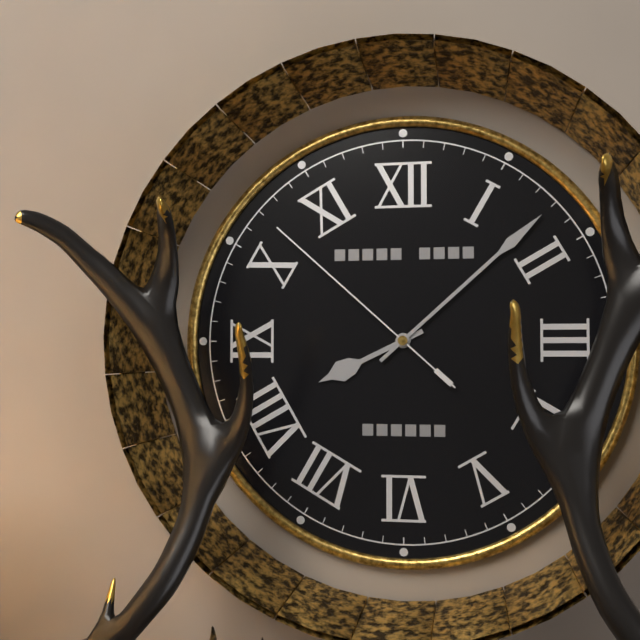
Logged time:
8,08,52
